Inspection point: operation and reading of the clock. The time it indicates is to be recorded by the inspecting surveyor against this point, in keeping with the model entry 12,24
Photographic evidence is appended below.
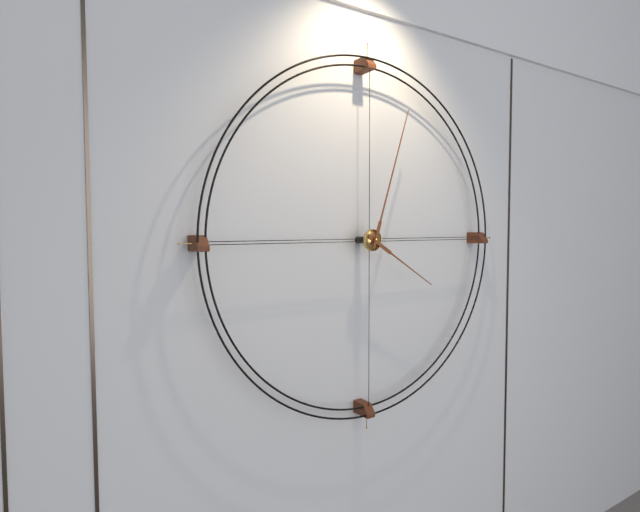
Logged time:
4,03
